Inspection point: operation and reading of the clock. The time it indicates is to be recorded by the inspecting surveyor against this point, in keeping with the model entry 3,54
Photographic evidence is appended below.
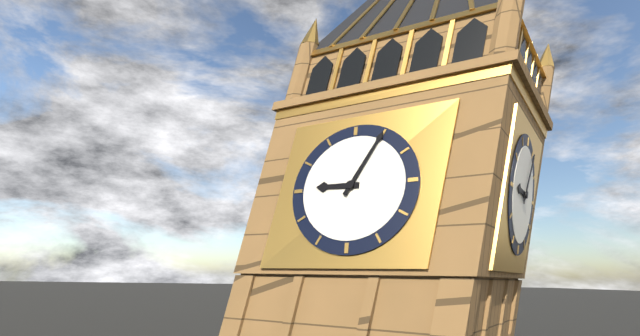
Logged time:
9,05
